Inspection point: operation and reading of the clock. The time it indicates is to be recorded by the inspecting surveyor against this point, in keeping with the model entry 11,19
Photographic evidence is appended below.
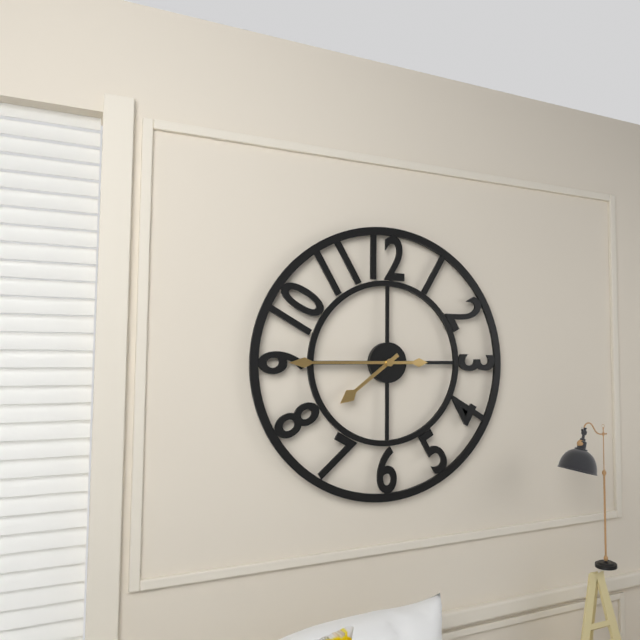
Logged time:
7,45
